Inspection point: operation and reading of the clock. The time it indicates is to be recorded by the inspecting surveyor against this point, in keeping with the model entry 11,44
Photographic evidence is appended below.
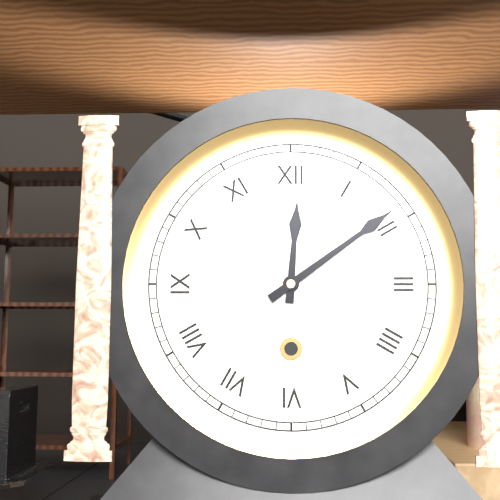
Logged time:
12,09
